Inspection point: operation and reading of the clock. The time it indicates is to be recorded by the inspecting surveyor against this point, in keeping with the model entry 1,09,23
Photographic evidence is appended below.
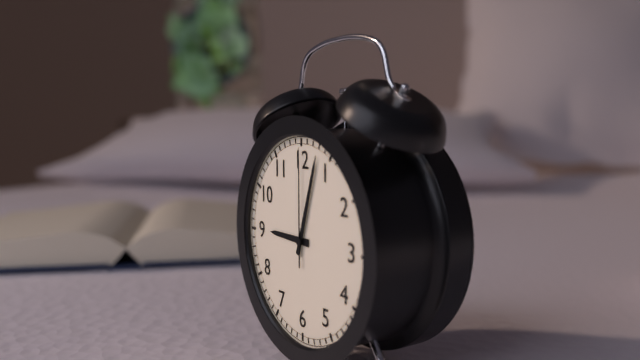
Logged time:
9,03,00
